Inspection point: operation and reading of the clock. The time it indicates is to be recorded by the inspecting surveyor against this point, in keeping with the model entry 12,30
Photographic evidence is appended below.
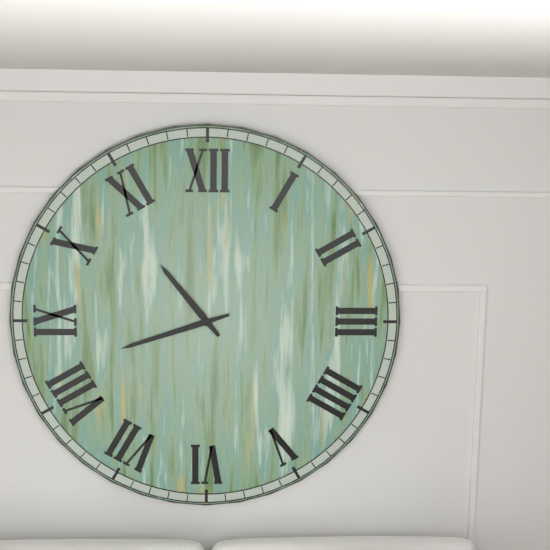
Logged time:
10,42
